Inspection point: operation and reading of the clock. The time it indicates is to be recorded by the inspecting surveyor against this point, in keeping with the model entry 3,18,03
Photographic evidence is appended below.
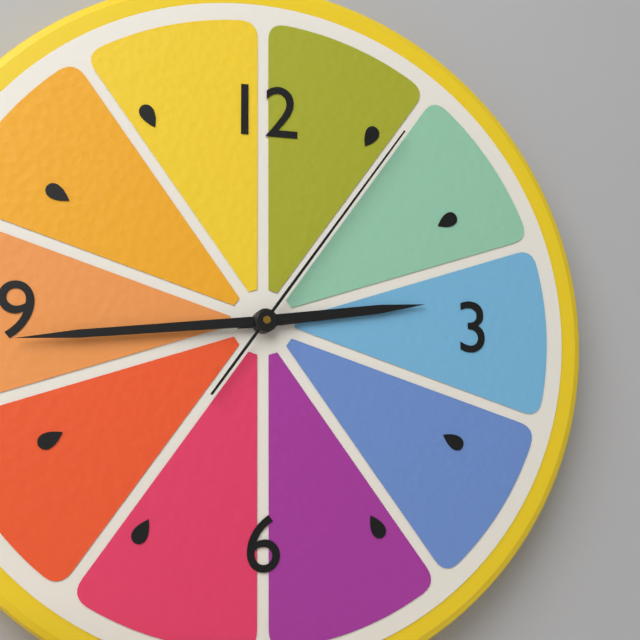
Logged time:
2,44,06
